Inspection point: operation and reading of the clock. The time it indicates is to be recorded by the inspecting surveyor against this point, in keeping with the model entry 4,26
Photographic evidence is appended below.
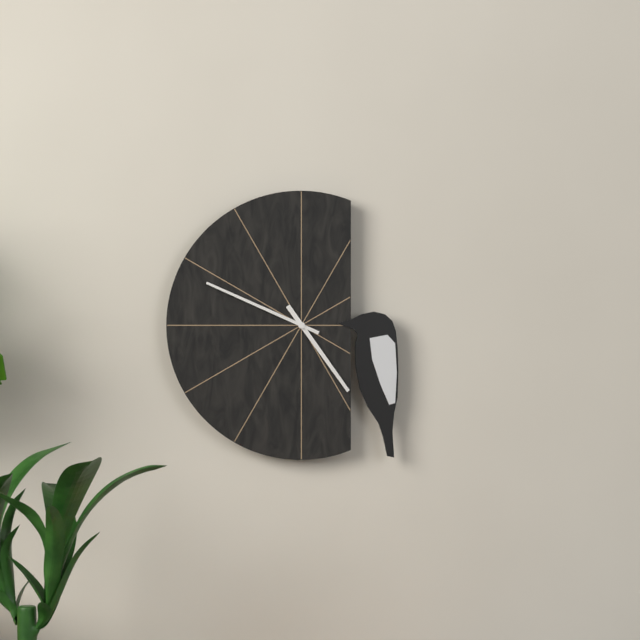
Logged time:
4,49
